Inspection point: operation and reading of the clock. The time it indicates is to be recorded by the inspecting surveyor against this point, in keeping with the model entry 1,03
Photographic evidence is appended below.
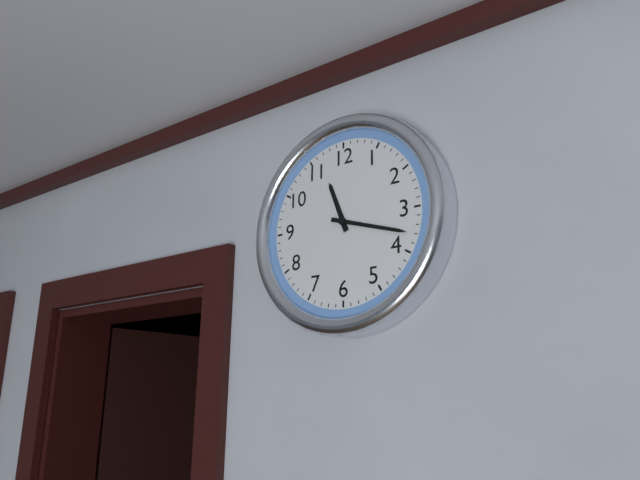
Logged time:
11,18
